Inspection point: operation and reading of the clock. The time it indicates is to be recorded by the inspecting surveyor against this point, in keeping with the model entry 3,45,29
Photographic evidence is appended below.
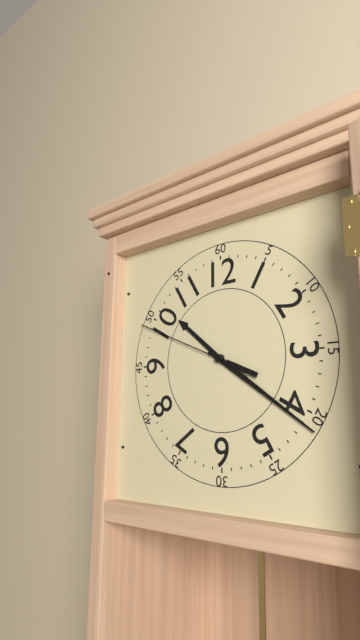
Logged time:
10,21,49
